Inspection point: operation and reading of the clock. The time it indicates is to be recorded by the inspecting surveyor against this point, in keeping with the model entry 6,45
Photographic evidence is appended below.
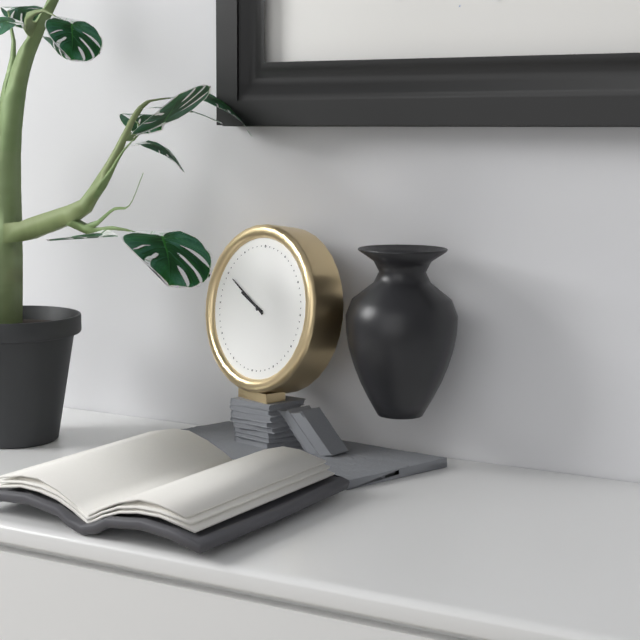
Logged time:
9,50
